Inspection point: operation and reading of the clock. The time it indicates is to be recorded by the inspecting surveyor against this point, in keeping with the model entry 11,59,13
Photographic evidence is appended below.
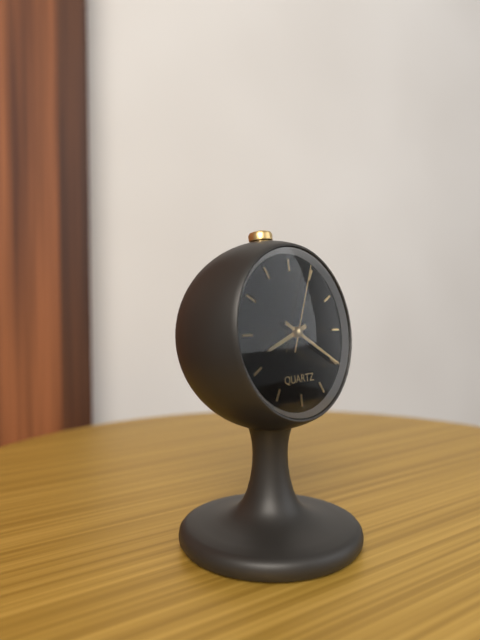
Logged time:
8,20,04
